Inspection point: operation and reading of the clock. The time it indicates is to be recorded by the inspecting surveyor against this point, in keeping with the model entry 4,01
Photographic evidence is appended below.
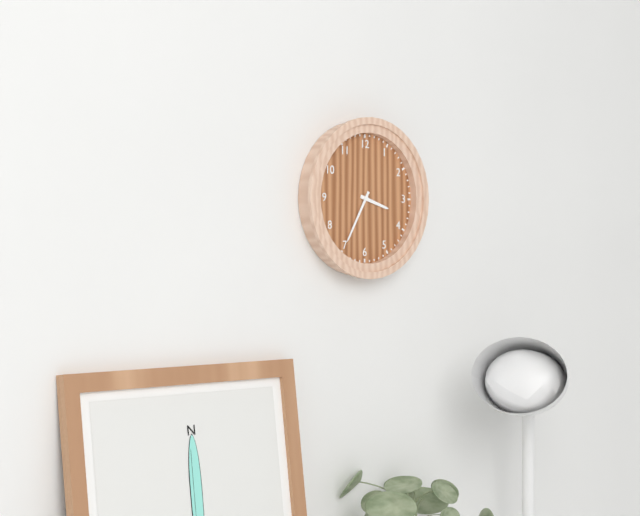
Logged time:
3,35
